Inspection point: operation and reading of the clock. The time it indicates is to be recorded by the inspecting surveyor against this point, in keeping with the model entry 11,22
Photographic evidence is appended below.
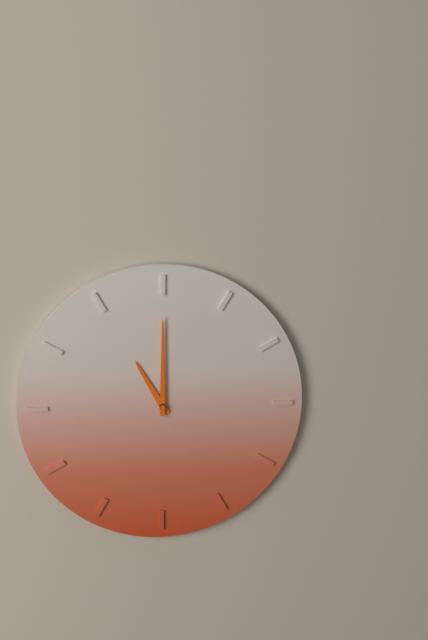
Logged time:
11,00
